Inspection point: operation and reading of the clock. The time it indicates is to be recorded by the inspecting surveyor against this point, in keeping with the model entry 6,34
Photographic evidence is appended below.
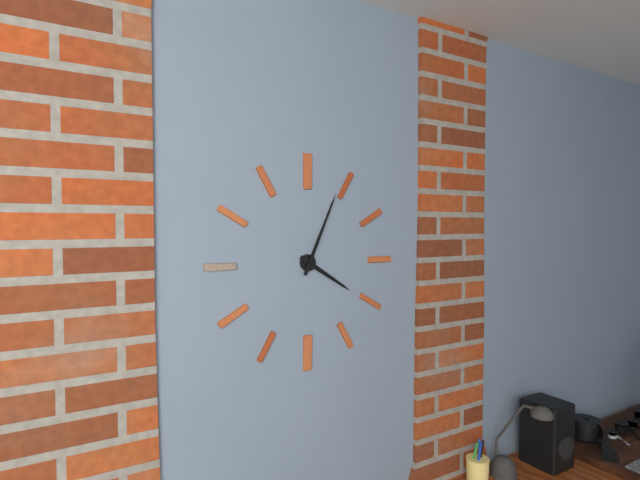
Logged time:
4,04
